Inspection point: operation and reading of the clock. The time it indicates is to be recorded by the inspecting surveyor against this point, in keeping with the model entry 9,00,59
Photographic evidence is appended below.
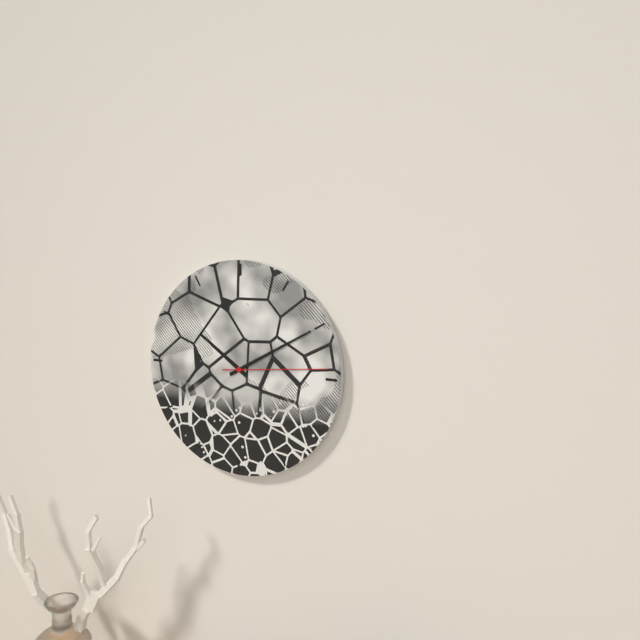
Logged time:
10,10,14
